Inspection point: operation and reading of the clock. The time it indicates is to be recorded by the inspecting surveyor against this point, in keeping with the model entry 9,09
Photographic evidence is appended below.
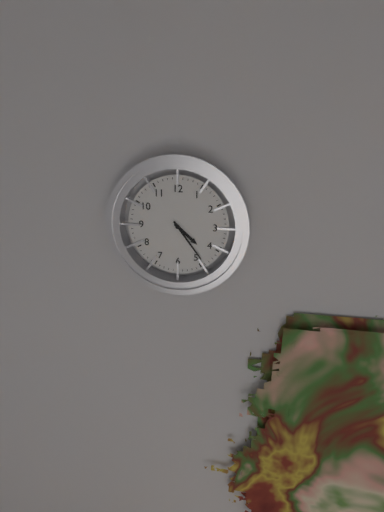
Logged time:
4,24
